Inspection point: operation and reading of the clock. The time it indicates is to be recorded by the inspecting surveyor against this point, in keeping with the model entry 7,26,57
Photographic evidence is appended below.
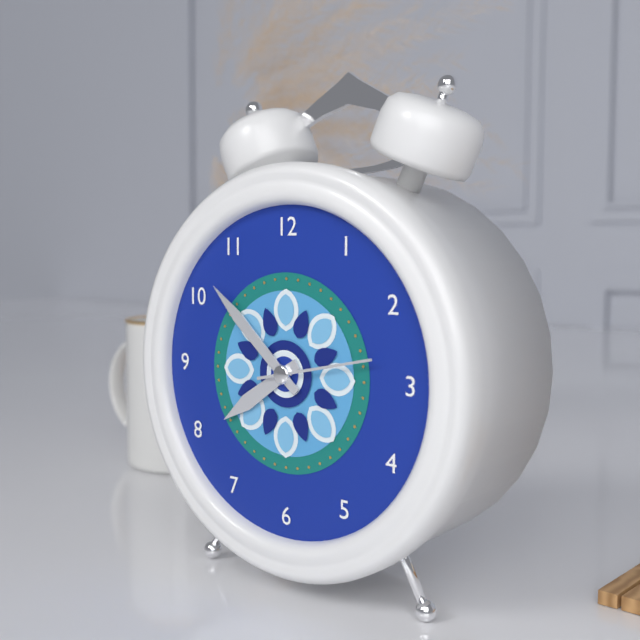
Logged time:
7,52,13
